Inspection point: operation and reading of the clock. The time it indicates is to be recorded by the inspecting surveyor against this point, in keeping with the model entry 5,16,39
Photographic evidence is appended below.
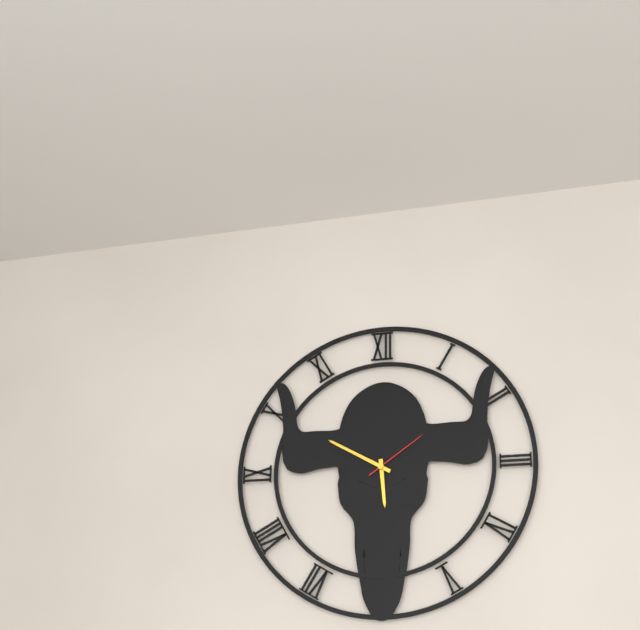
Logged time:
5,50,09
